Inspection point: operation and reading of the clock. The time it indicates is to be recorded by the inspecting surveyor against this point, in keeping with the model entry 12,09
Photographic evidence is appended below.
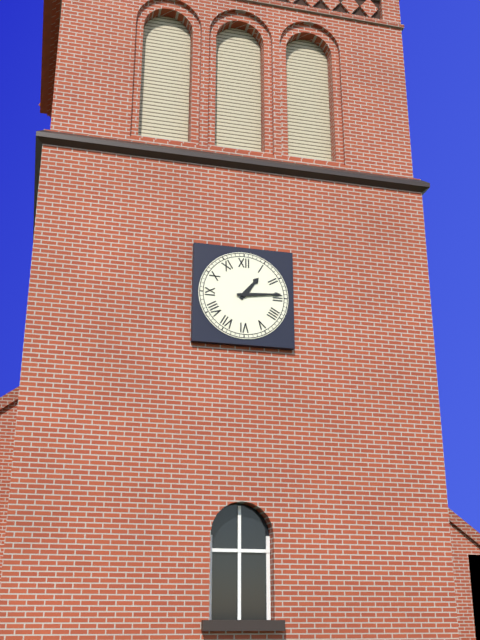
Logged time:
1,14
